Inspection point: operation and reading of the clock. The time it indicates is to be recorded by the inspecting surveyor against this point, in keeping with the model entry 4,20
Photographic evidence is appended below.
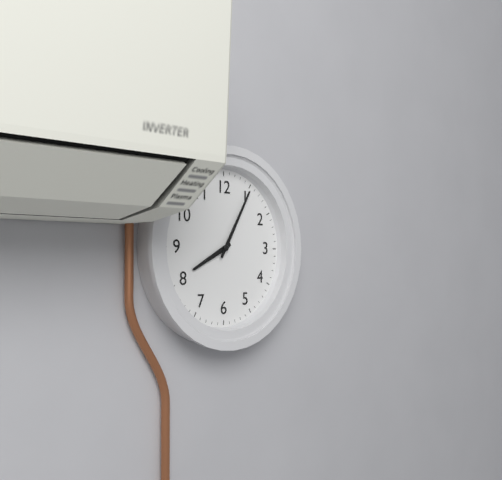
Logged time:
8,05
